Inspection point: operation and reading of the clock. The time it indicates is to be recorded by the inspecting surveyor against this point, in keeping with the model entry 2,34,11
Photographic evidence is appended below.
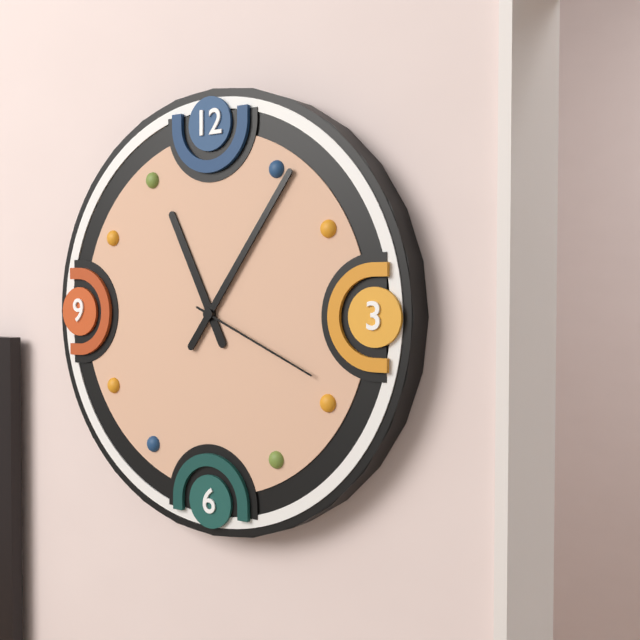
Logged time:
11,06,19
